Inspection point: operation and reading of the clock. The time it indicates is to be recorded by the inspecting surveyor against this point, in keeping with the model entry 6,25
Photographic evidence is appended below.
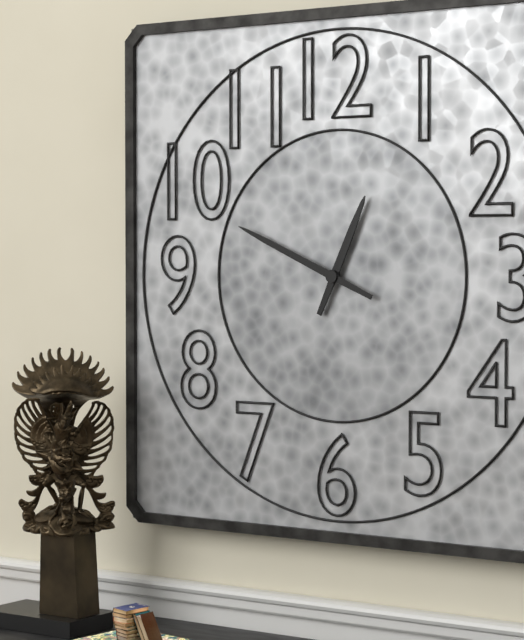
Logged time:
12,49
